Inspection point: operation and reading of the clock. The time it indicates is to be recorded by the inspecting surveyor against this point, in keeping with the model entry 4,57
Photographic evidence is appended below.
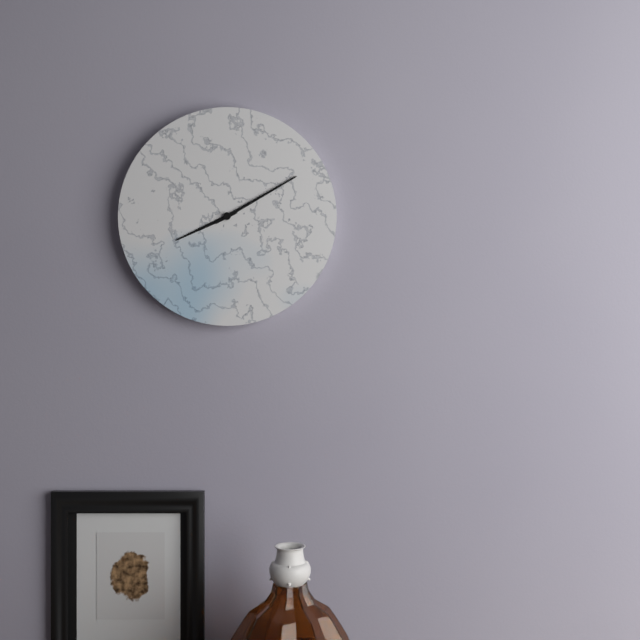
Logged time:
8,10
